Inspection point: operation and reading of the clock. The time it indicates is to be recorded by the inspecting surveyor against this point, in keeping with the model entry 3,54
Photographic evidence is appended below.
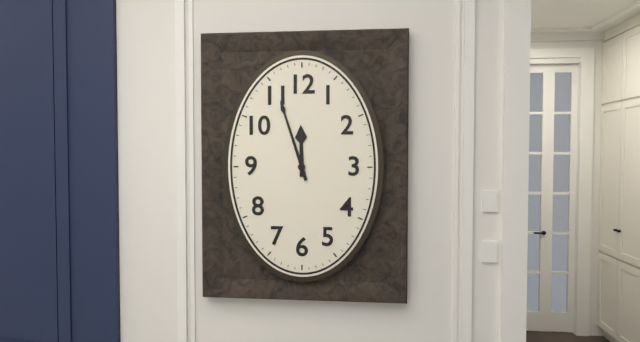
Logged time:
11,57
